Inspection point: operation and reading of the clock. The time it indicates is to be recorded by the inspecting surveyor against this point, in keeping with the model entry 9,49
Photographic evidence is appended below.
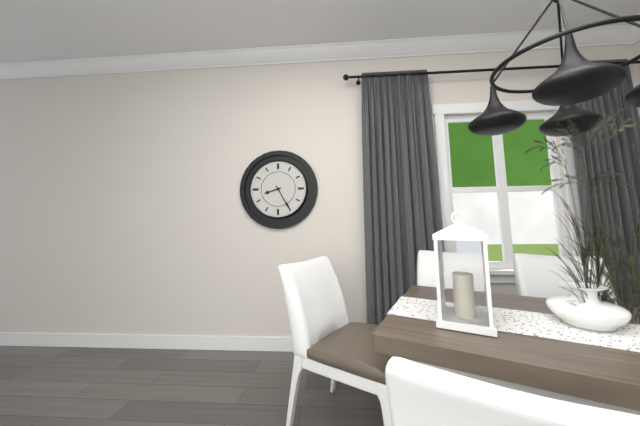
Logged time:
8,25
